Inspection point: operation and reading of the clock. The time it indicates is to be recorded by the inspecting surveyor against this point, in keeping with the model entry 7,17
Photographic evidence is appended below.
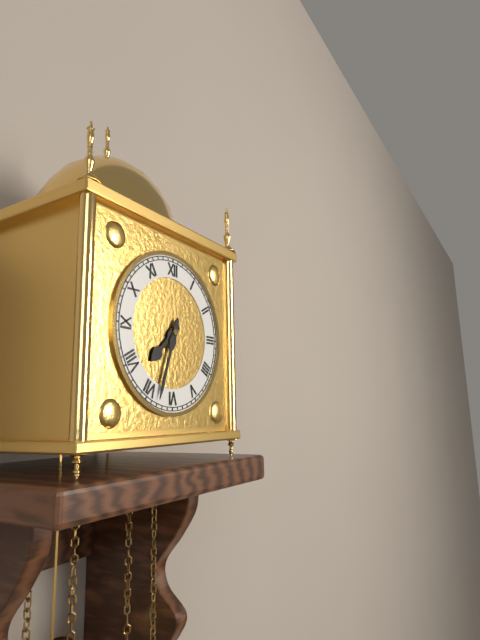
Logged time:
7,33
